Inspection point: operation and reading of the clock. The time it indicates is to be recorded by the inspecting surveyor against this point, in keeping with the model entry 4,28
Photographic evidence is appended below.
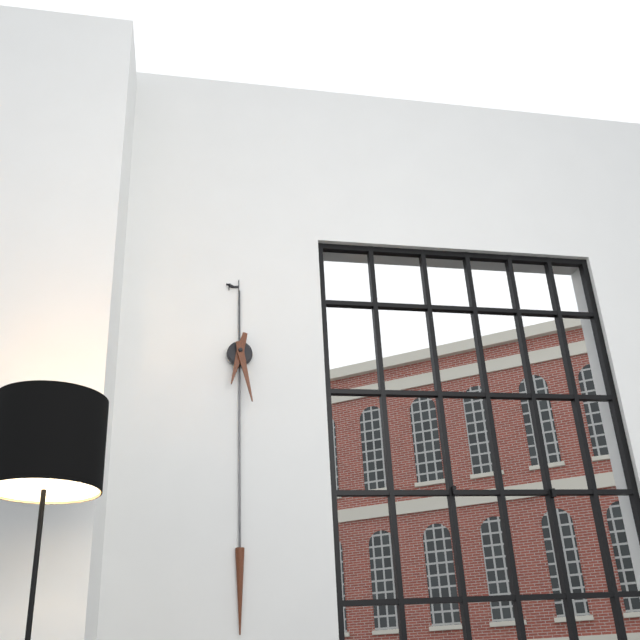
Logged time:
6,28
